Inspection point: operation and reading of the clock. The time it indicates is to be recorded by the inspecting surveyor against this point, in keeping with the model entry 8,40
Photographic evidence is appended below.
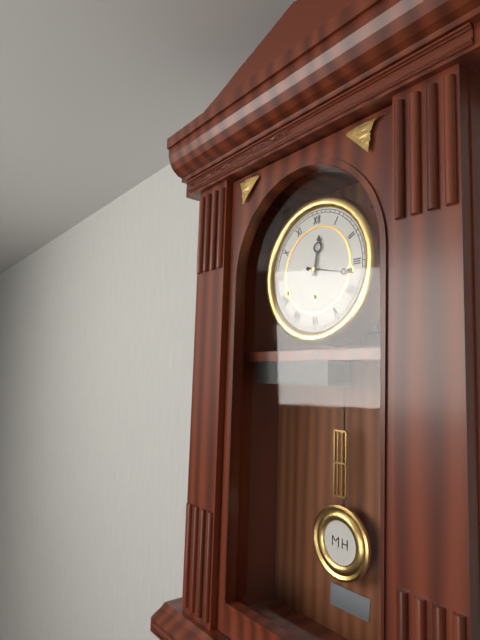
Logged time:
12,17
